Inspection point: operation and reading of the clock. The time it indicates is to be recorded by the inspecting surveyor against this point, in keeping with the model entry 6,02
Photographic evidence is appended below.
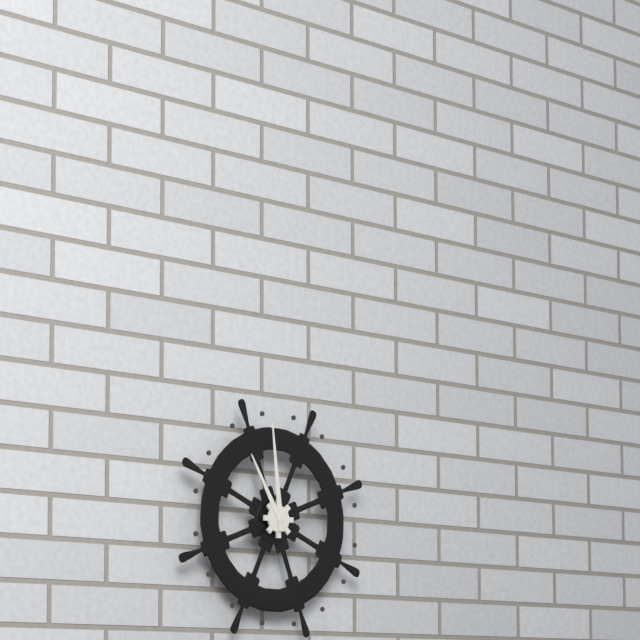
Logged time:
10,59
